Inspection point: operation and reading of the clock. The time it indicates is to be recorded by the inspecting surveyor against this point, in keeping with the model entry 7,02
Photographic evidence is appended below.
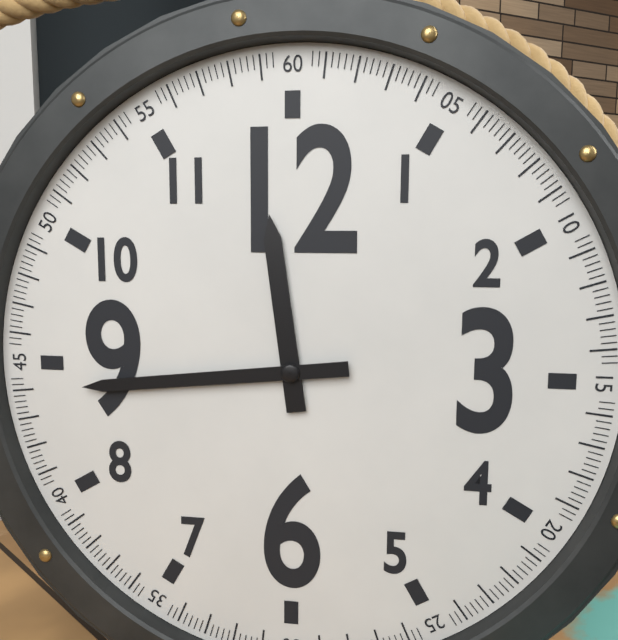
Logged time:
11,44
